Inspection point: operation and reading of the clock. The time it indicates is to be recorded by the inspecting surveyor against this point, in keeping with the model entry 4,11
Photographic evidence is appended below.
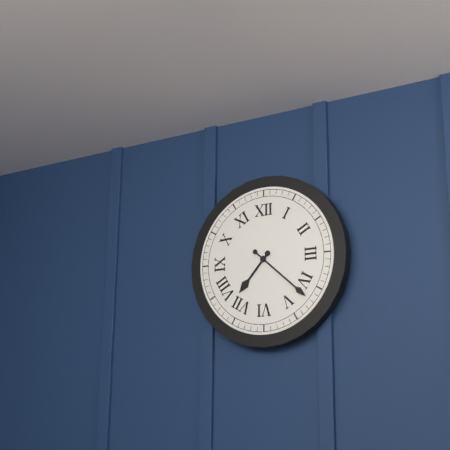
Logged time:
7,22
